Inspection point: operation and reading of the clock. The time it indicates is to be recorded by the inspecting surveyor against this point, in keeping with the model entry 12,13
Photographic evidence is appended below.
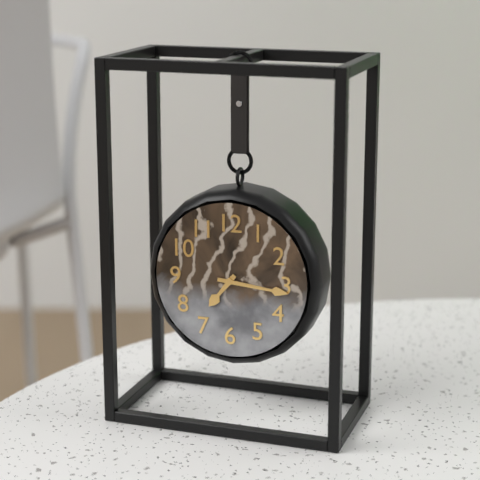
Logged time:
7,16
